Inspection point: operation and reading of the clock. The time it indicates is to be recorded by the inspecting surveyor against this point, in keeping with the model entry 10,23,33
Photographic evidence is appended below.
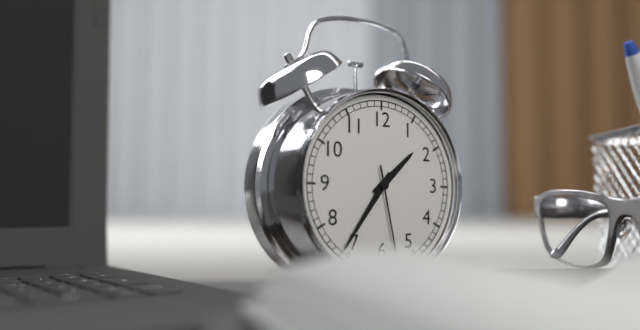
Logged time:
1,36,28
